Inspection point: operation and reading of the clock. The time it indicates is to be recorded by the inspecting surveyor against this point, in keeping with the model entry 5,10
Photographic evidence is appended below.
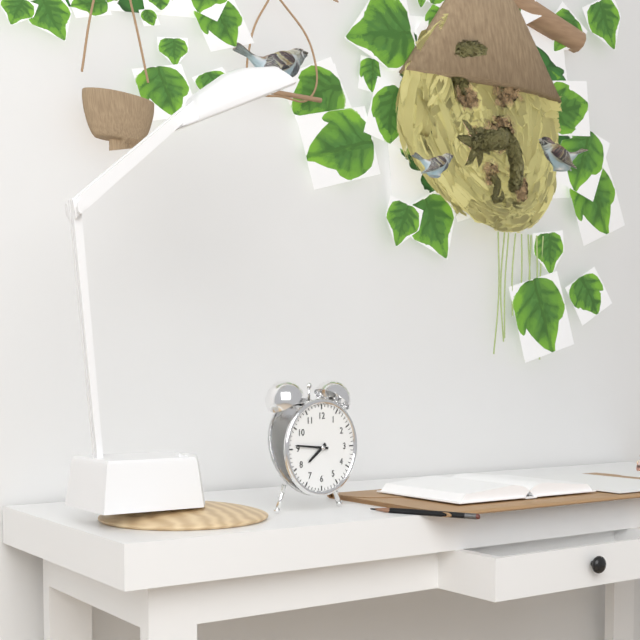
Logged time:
7,46
